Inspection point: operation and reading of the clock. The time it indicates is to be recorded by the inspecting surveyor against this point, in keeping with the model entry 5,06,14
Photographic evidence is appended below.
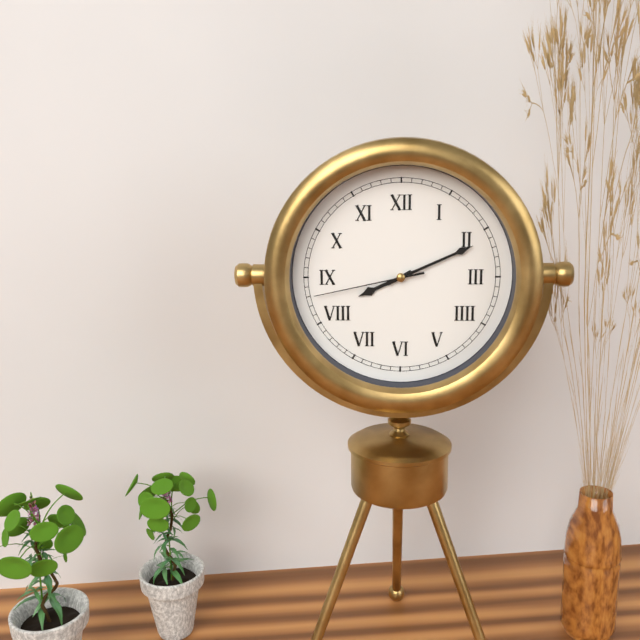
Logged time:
8,11,43
